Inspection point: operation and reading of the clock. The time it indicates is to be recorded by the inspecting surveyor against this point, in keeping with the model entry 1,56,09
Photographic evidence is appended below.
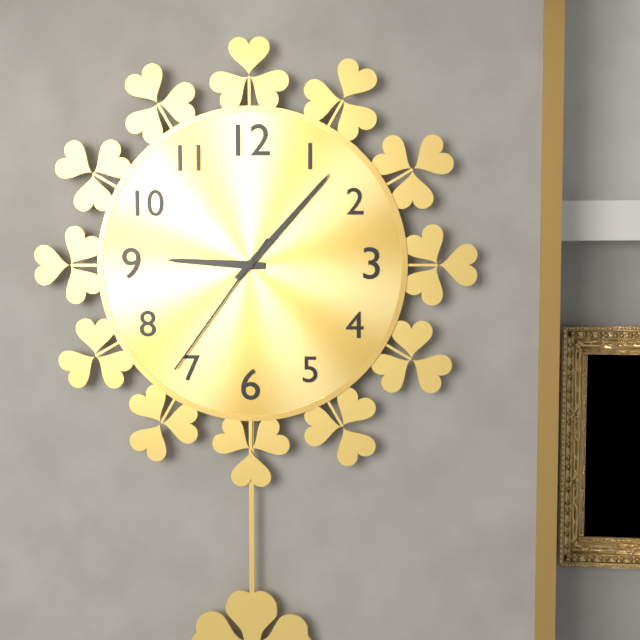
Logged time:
9,07,36
